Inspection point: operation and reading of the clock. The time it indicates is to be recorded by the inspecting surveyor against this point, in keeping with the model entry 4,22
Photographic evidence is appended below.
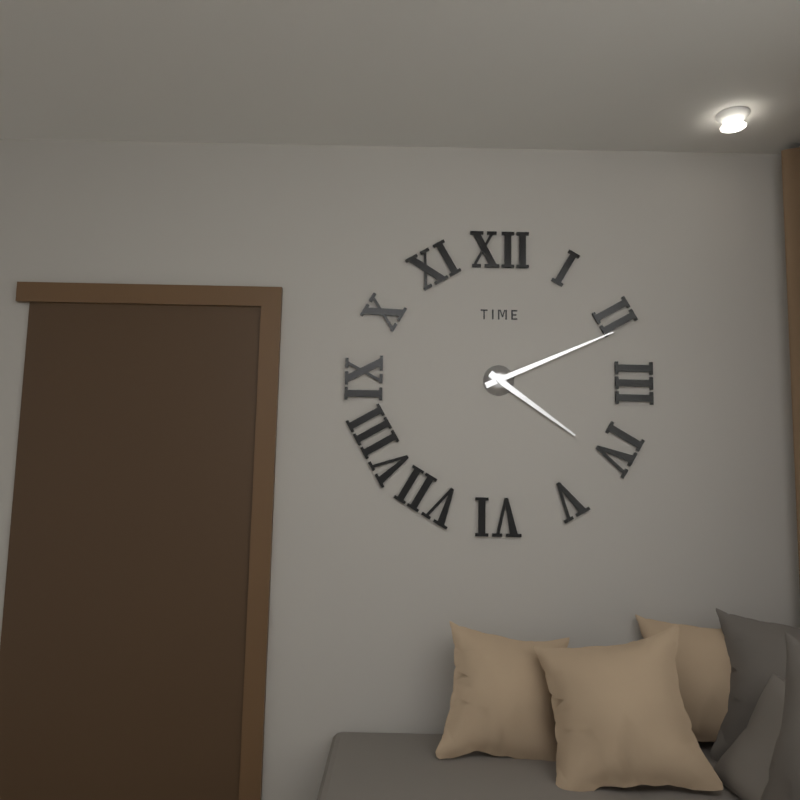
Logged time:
4,11
